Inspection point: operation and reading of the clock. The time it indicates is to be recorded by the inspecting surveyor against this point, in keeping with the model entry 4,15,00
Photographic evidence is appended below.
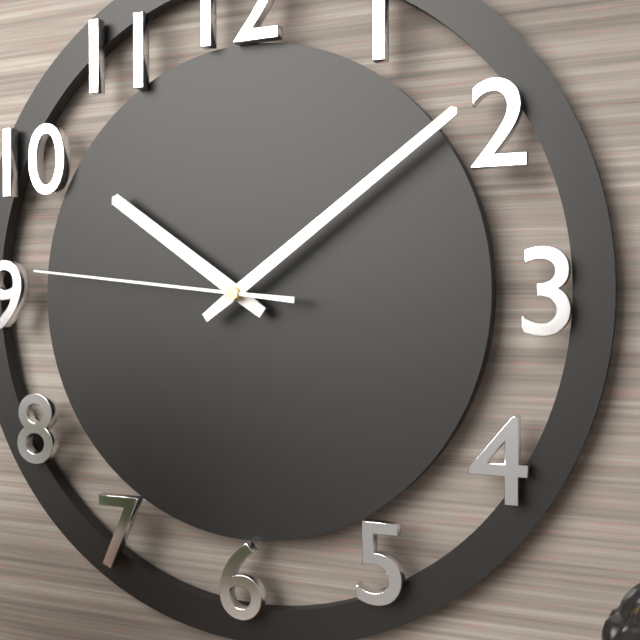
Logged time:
10,09,46
